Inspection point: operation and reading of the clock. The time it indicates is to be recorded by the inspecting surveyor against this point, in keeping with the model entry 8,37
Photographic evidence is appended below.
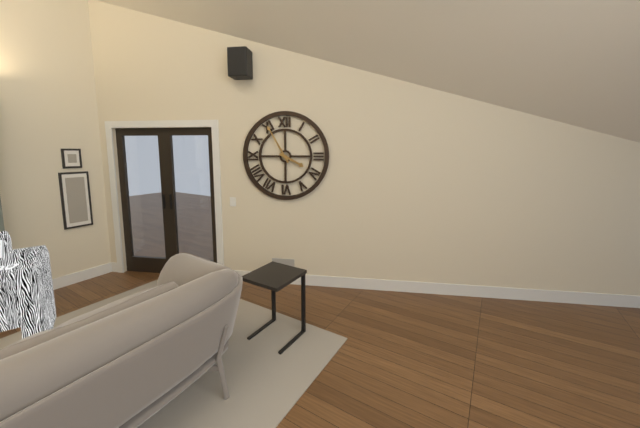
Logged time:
3,55
